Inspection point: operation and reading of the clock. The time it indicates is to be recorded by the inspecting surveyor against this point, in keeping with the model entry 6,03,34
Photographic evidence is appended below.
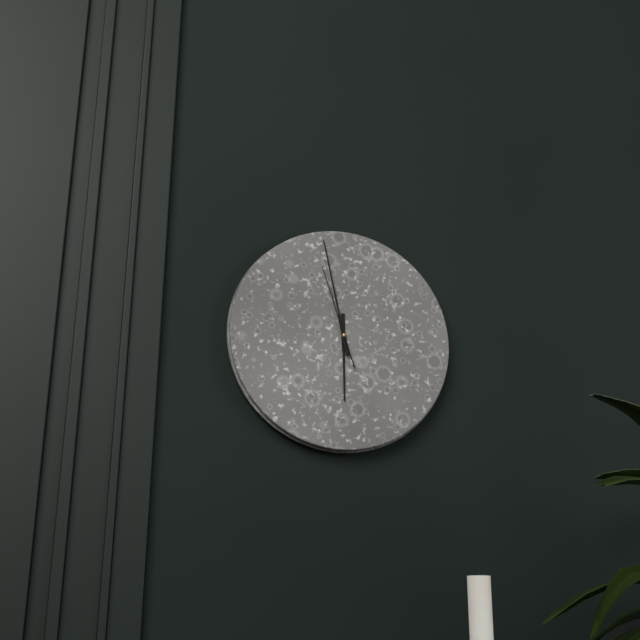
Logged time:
5,58,57
